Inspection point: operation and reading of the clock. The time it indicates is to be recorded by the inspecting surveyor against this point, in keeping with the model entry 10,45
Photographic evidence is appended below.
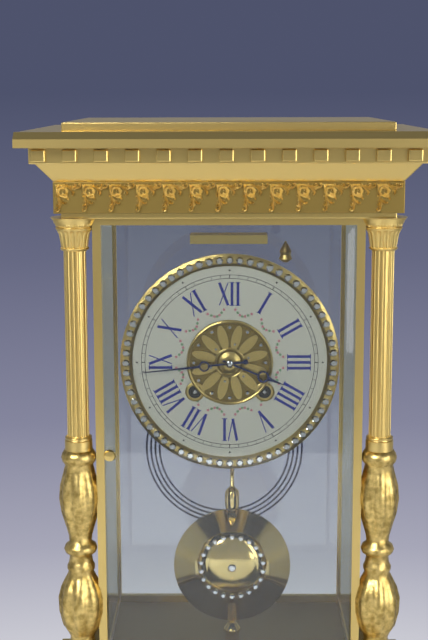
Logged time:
3,44
